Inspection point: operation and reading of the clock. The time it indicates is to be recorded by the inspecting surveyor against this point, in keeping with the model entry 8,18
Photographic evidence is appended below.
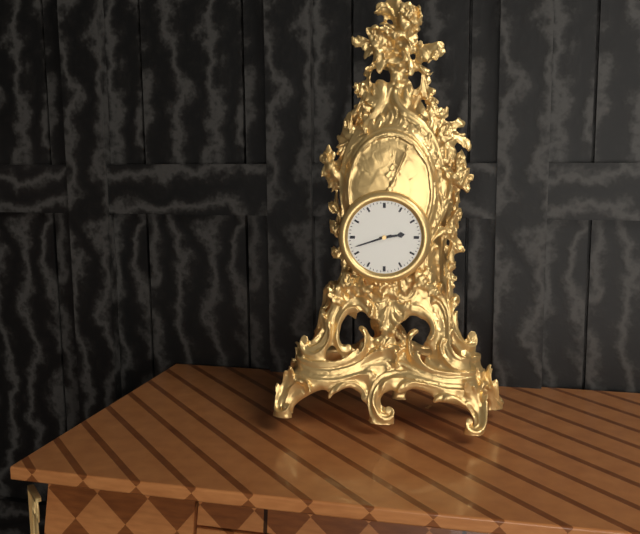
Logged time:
2,42
